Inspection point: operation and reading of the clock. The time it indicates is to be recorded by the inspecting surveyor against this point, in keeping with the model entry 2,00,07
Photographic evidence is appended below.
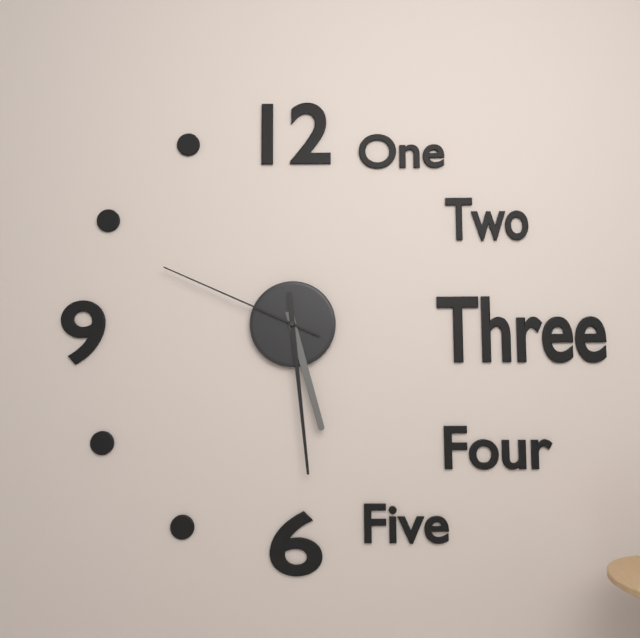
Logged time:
5,29,49
